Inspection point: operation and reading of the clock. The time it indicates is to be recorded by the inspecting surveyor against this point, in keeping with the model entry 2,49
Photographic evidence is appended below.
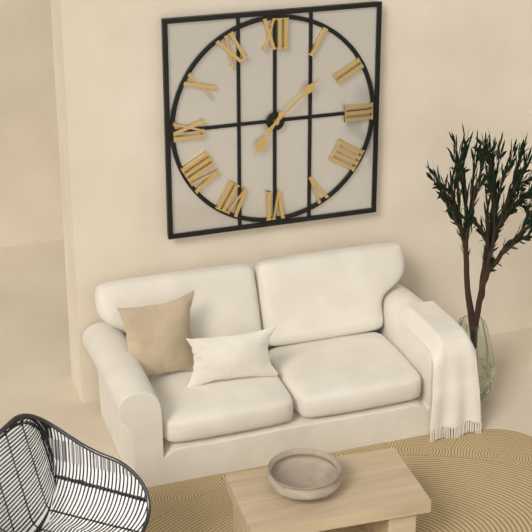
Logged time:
7,08
